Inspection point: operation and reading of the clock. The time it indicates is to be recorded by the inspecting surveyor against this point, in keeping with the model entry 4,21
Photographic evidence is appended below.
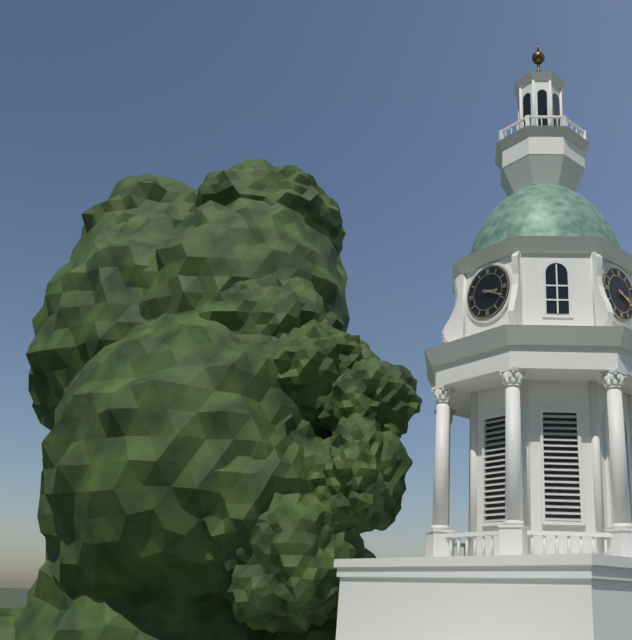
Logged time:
3,19
